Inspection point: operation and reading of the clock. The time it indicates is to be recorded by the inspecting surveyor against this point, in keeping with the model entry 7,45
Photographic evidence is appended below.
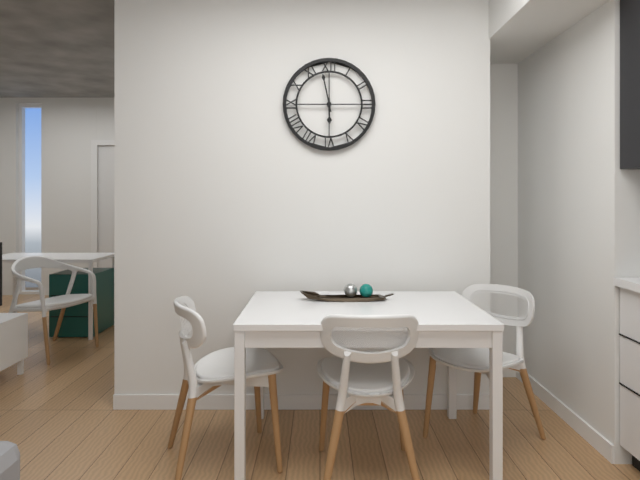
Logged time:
5,58
